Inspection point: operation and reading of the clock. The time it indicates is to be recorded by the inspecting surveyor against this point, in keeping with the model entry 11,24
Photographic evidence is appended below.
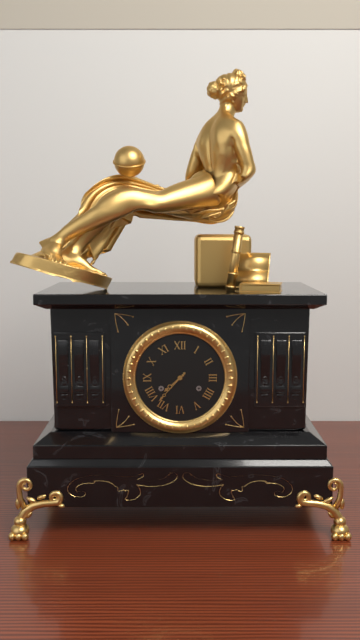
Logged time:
7,37
